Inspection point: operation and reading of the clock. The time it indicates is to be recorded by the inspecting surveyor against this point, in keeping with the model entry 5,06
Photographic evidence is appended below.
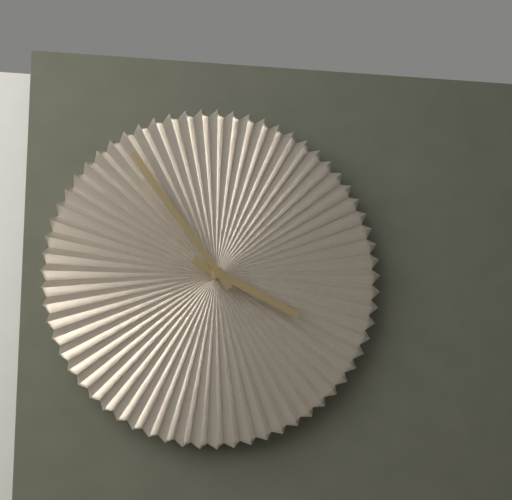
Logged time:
3,54
